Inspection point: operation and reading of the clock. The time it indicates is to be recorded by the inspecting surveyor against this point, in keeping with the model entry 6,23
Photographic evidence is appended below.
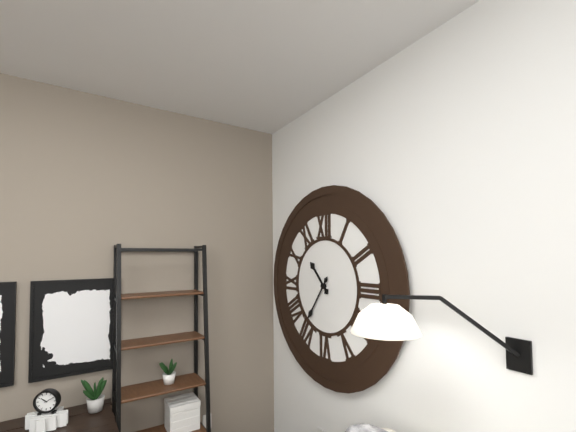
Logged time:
10,36
